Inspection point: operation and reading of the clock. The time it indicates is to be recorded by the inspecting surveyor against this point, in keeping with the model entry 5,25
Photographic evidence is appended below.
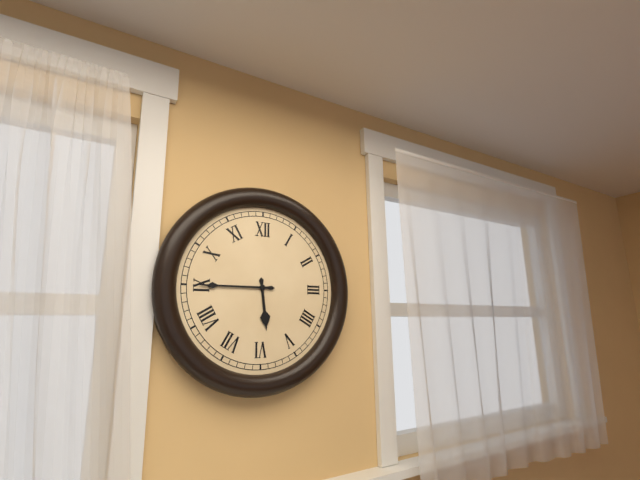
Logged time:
5,45
